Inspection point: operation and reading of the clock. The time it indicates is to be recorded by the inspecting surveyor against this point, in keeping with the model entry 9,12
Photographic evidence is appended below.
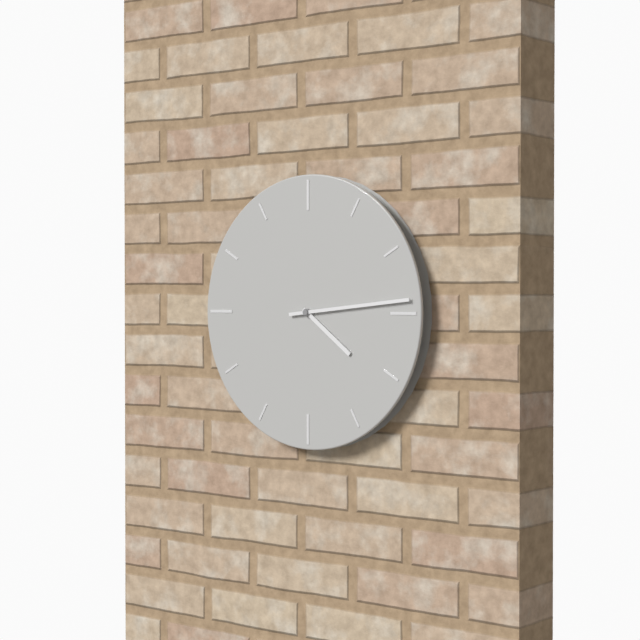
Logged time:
4,14
